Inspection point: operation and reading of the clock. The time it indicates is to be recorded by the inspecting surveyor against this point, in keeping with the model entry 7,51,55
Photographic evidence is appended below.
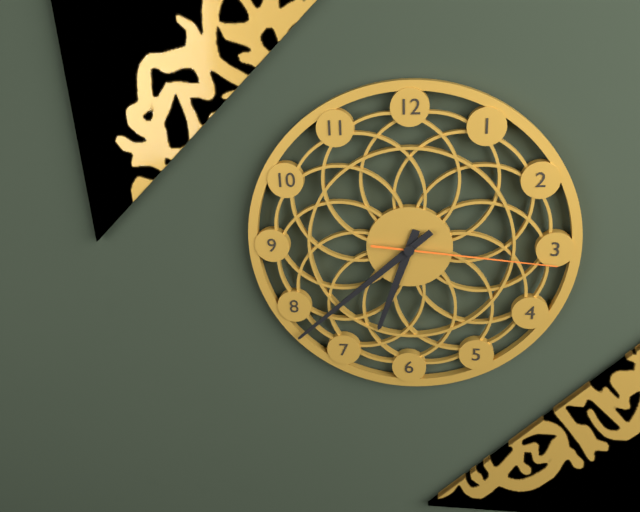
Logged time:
6,38,16
